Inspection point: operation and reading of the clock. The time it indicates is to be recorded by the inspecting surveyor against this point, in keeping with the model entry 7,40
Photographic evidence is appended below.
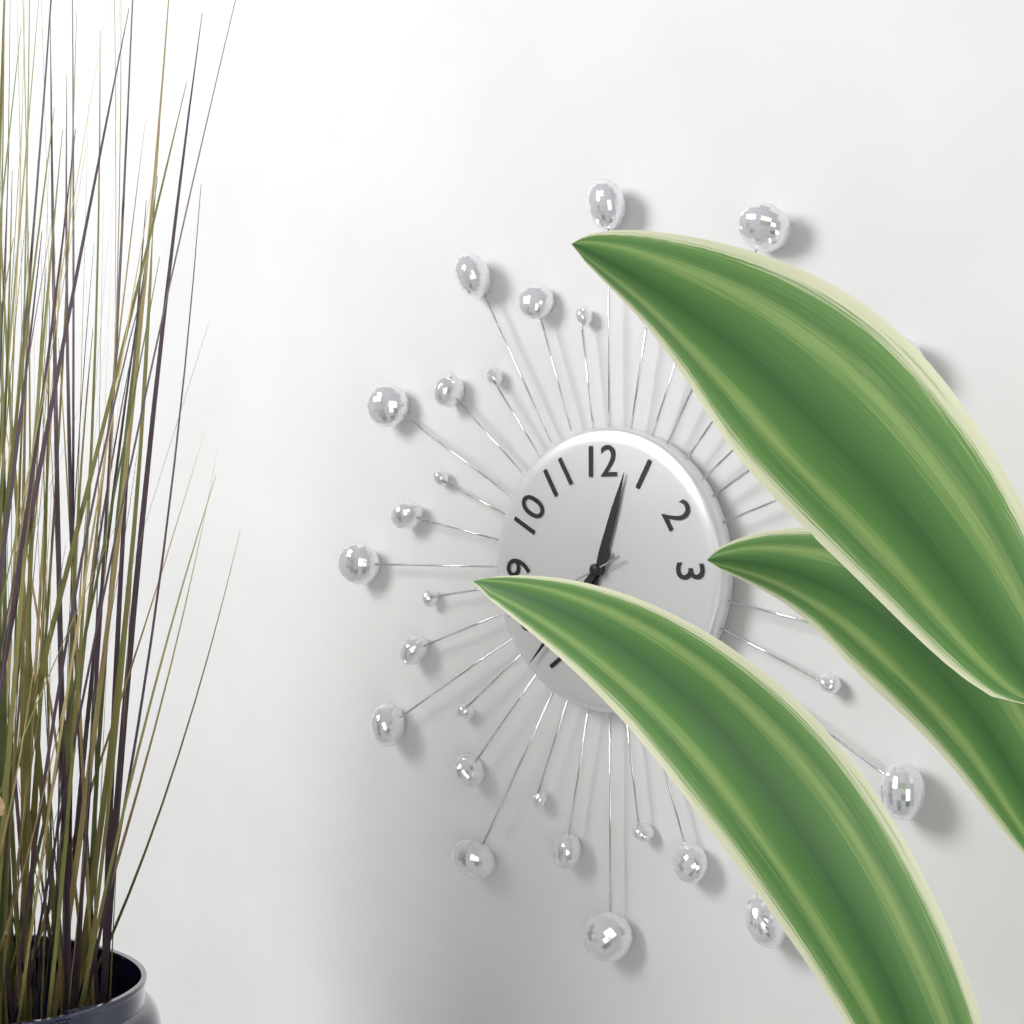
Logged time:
12,37
